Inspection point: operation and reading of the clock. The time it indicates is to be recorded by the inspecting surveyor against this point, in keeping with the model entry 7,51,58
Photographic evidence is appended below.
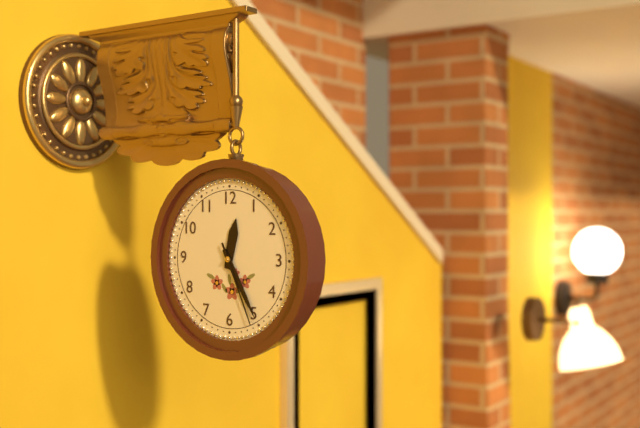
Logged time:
12,25,26
